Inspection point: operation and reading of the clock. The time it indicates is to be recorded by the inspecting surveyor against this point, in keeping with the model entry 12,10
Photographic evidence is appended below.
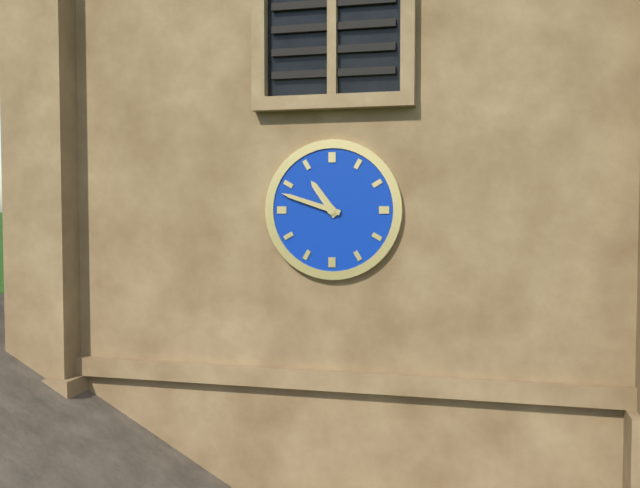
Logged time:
10,48
